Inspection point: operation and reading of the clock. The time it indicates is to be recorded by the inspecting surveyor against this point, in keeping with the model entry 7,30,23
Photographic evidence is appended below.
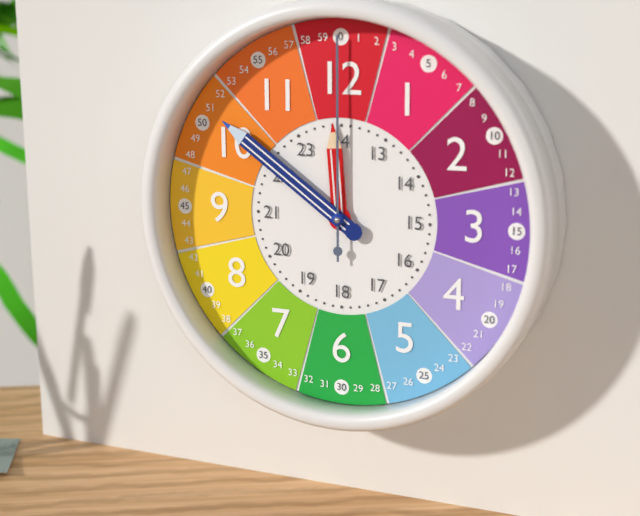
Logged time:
11,51,00
